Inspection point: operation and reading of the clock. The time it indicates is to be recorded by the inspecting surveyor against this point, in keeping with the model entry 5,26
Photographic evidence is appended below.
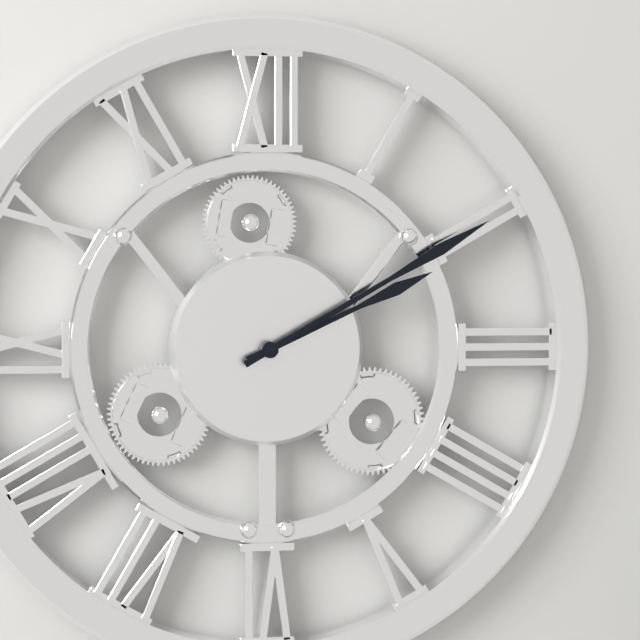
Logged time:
2,10
